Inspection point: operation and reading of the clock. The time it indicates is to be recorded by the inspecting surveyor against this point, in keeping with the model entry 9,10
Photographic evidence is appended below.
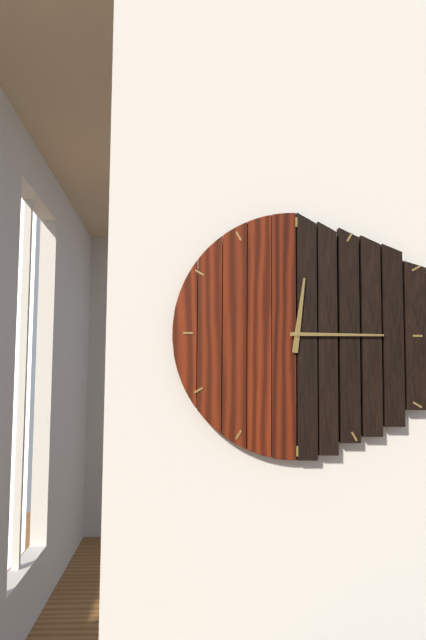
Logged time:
12,15
